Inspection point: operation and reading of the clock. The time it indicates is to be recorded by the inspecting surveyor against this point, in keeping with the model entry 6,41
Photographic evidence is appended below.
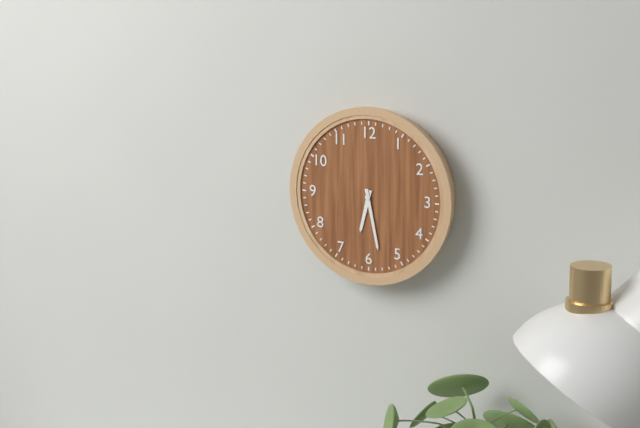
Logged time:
6,28
